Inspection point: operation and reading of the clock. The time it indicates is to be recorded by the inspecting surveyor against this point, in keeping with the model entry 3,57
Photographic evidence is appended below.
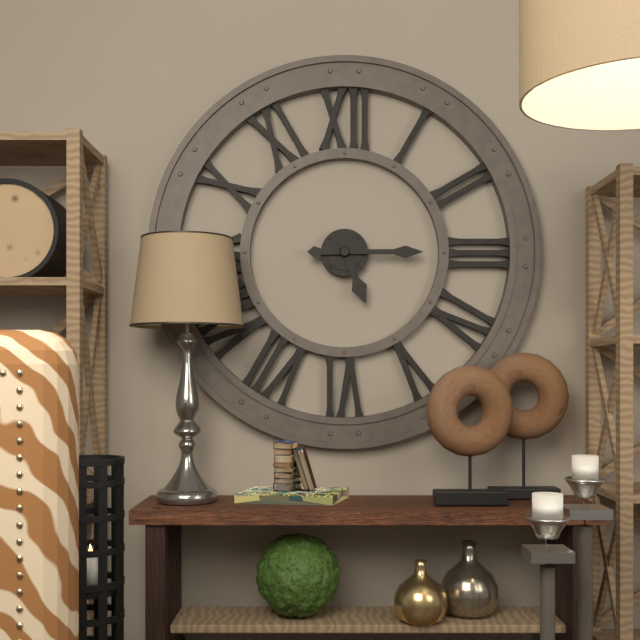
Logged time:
5,15
